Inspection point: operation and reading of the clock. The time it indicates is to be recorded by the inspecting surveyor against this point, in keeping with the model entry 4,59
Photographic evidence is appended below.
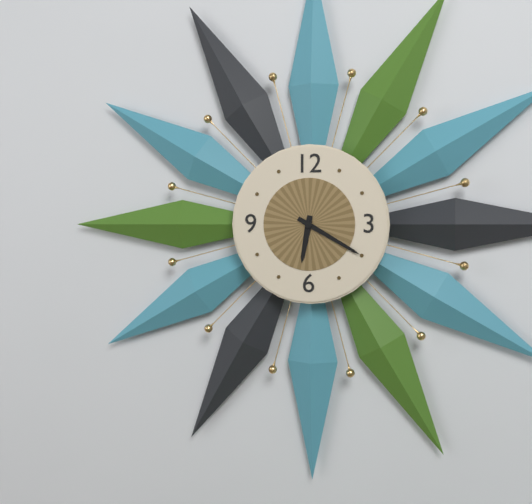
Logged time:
6,20
